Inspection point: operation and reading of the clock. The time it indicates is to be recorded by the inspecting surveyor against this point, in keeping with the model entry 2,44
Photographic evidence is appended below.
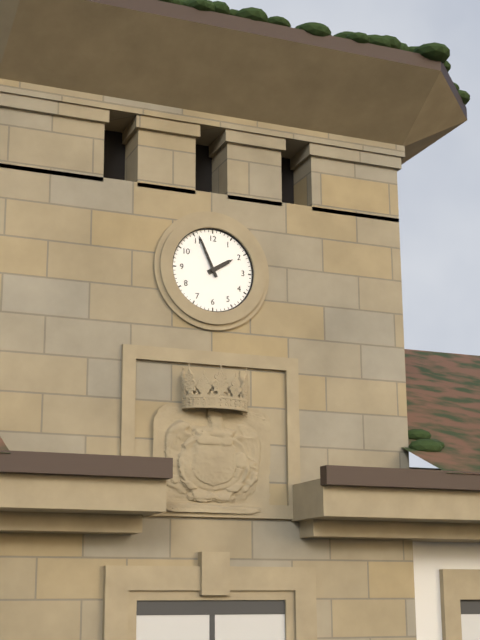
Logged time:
1,56
